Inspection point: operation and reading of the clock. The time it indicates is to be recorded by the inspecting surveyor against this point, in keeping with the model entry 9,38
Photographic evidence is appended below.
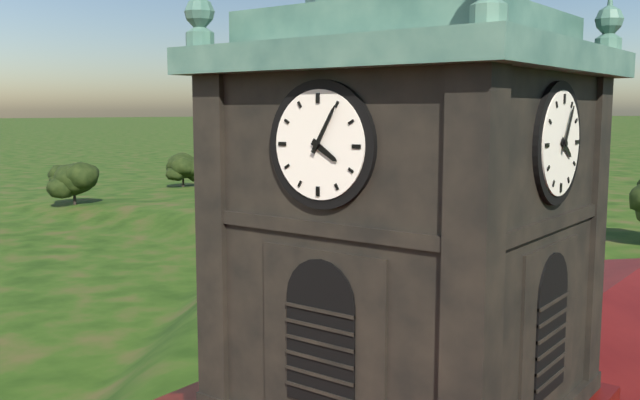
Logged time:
4,05
